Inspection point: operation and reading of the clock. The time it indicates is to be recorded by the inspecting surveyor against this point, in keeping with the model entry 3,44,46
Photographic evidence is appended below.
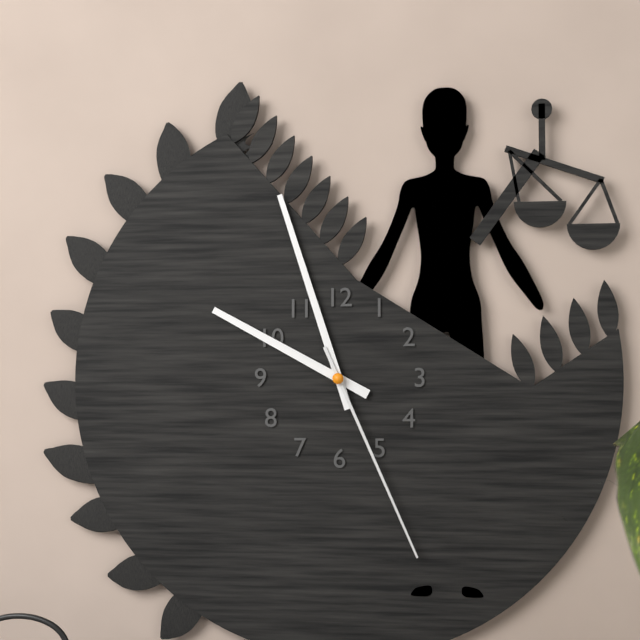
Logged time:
9,57,26
